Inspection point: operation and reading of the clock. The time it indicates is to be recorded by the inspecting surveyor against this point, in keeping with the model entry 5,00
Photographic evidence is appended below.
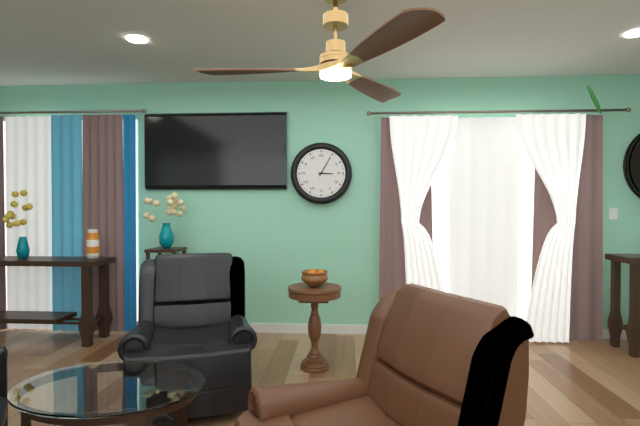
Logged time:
3,05
